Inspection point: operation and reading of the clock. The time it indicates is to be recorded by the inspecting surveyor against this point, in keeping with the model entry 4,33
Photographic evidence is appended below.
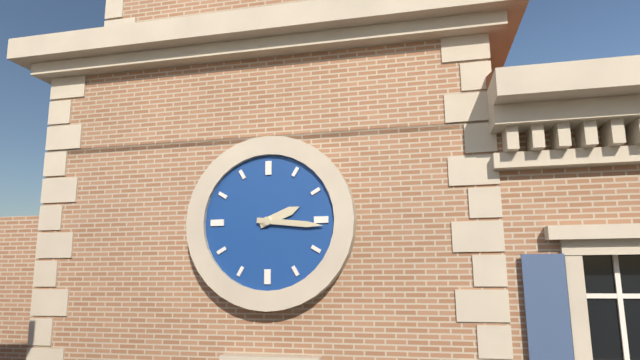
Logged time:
2,16
